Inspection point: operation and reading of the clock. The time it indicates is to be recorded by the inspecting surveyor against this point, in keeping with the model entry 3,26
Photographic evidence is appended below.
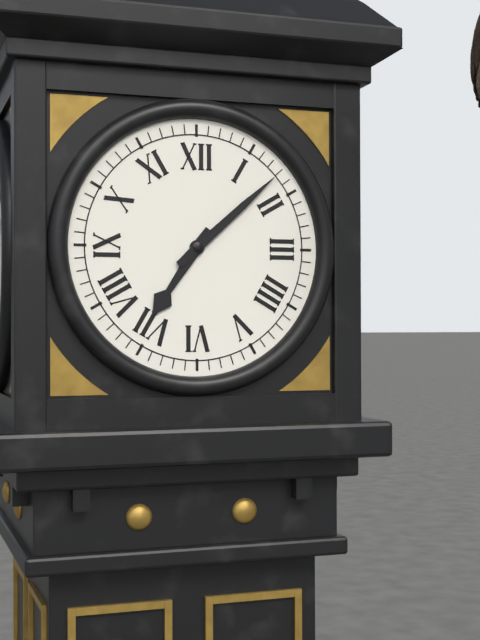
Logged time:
7,08
